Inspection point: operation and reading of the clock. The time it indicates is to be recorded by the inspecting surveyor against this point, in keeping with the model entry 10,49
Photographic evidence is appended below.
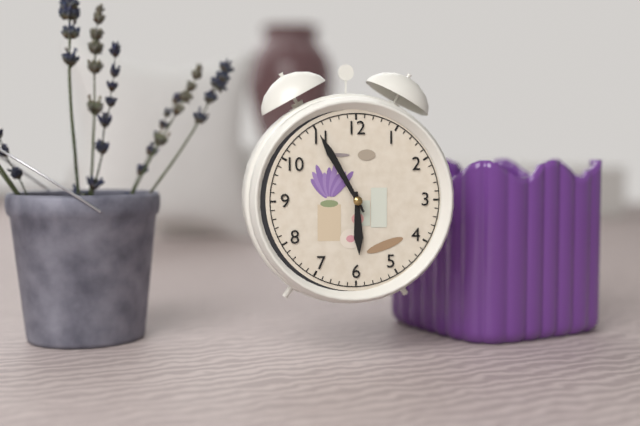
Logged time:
5,55
